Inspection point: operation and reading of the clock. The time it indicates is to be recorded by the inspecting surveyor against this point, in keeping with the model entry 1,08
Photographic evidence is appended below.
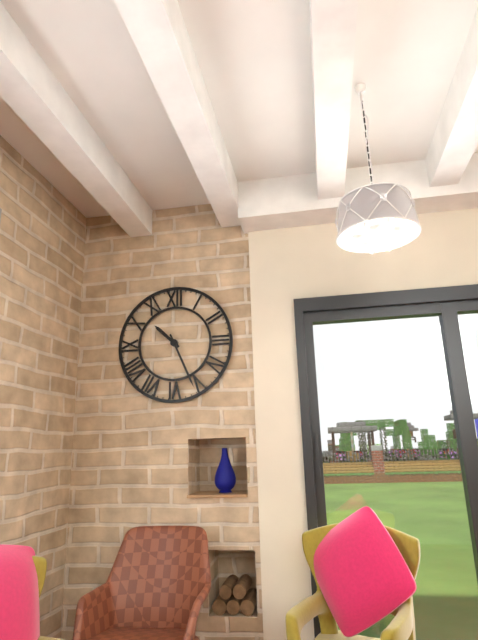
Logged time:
10,26
